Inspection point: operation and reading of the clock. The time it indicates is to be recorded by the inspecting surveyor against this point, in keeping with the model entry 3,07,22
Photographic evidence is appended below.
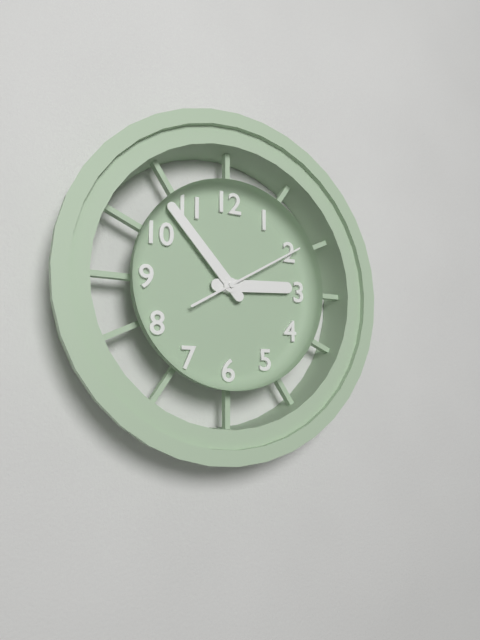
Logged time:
2,53,10
